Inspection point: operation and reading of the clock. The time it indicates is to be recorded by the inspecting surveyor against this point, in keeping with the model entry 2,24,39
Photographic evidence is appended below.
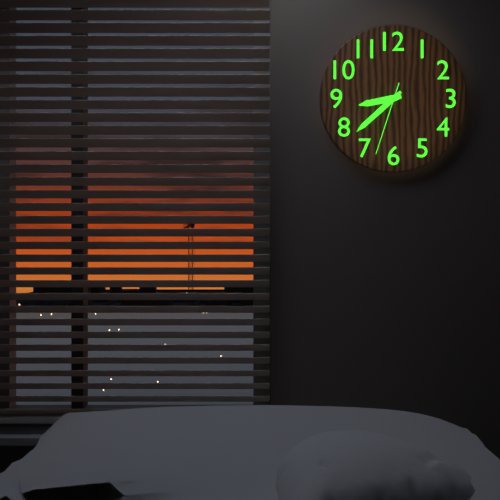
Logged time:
8,38,33
